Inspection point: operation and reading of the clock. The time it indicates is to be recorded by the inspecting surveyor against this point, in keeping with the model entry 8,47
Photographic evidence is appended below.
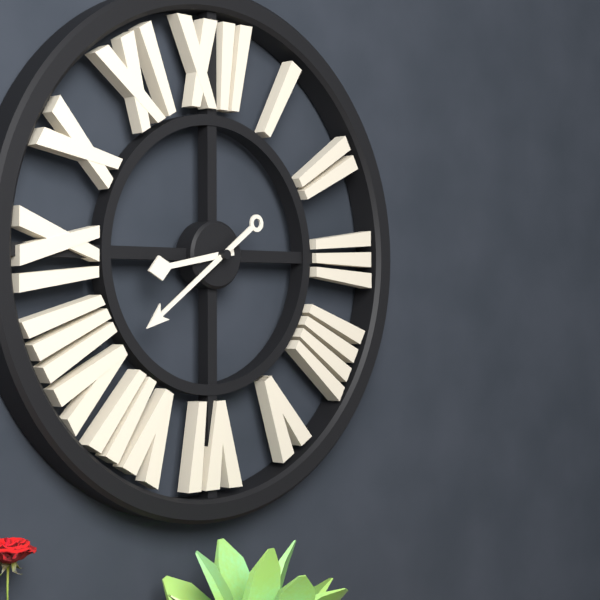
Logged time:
8,39
